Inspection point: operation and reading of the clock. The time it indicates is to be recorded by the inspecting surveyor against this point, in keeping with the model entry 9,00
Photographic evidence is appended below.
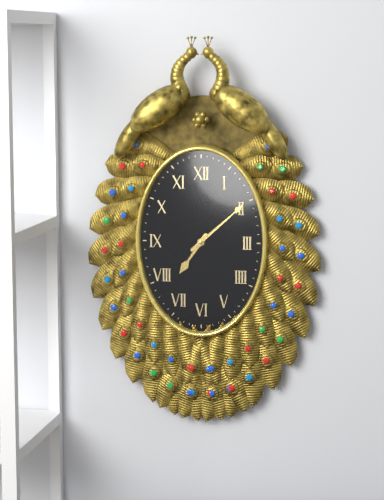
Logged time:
7,08
